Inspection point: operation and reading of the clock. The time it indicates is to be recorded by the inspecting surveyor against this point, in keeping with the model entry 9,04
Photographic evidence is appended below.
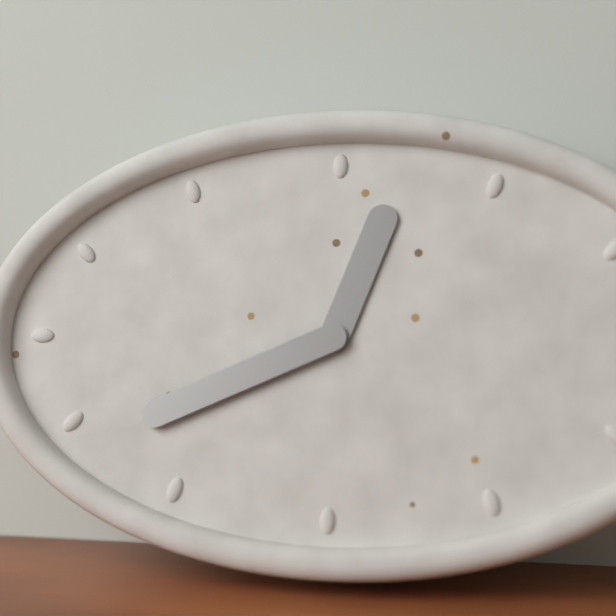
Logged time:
12,41
